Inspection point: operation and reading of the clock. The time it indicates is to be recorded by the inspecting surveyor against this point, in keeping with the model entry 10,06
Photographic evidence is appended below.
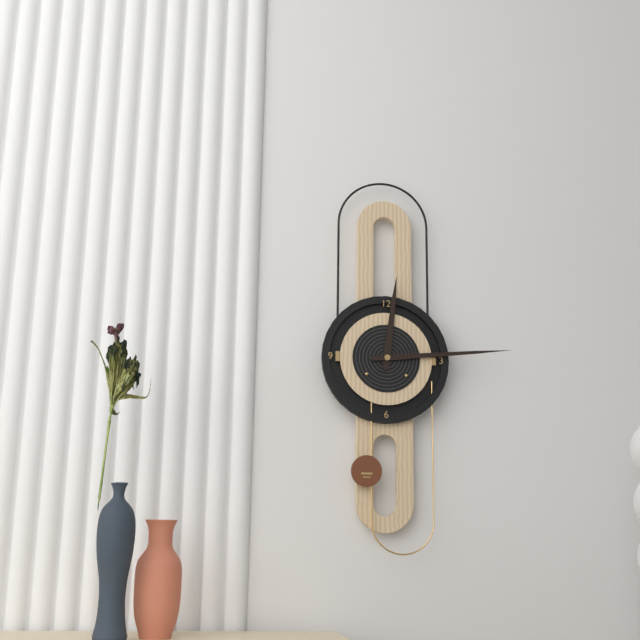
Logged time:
12,14
